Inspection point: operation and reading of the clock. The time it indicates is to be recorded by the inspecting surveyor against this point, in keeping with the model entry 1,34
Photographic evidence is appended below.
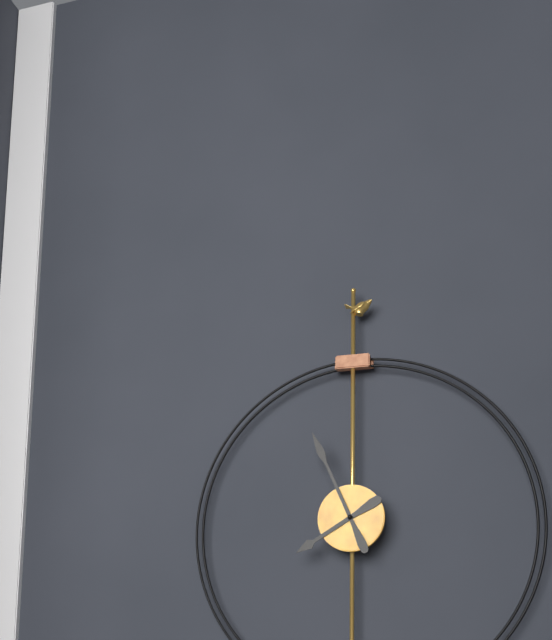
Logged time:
7,56
